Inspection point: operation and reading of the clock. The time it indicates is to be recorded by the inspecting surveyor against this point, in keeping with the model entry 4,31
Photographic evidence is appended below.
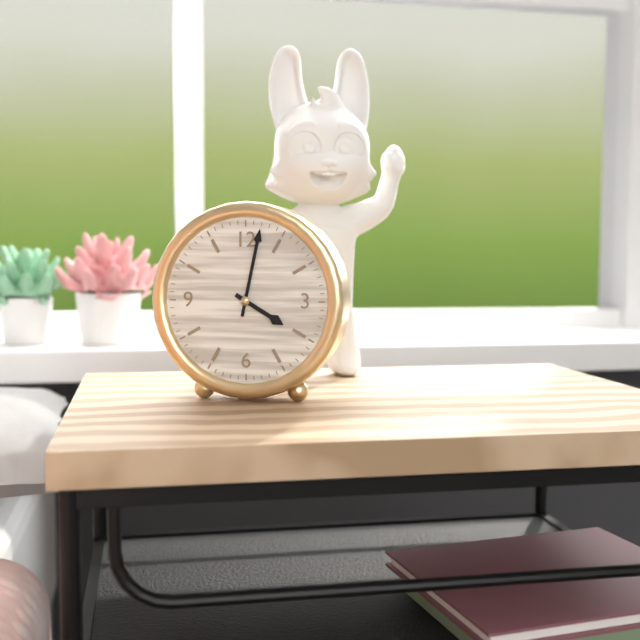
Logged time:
4,02
